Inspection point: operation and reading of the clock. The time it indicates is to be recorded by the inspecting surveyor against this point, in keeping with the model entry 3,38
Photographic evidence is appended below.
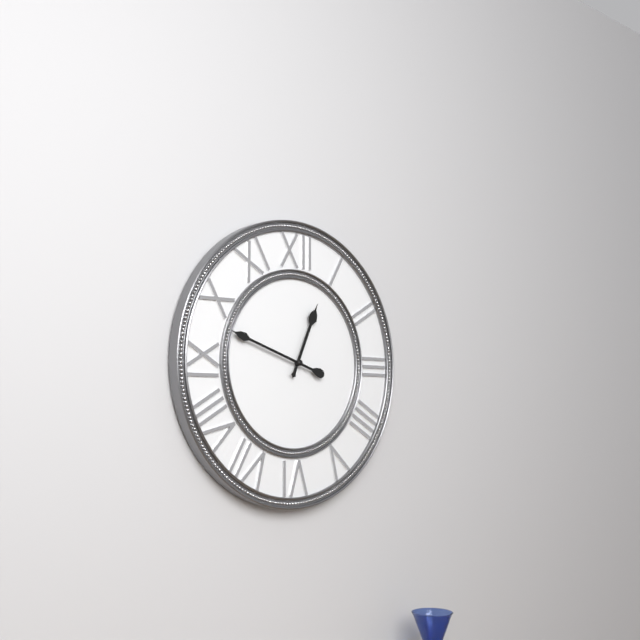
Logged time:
12,48
